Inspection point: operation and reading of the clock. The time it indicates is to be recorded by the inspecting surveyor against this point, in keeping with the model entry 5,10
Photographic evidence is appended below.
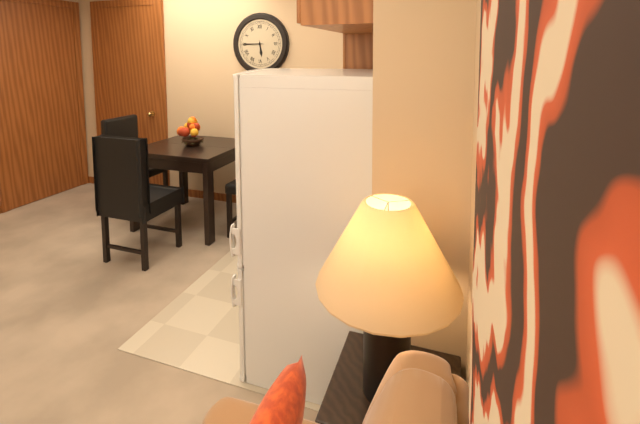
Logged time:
5,45
